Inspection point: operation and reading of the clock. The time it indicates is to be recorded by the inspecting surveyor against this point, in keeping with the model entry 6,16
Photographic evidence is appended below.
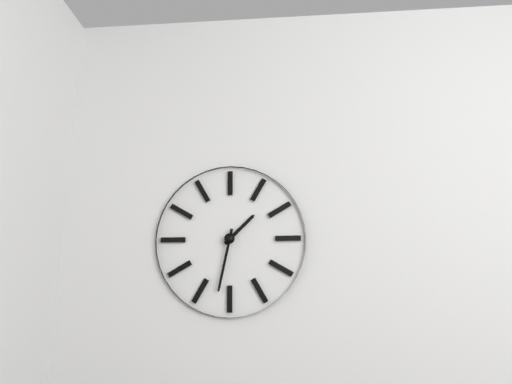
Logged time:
1,32
